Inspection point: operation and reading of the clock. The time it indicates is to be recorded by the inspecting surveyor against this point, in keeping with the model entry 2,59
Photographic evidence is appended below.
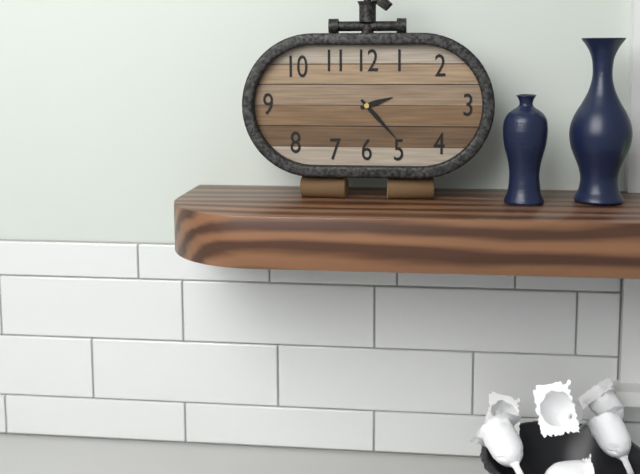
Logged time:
2,23
